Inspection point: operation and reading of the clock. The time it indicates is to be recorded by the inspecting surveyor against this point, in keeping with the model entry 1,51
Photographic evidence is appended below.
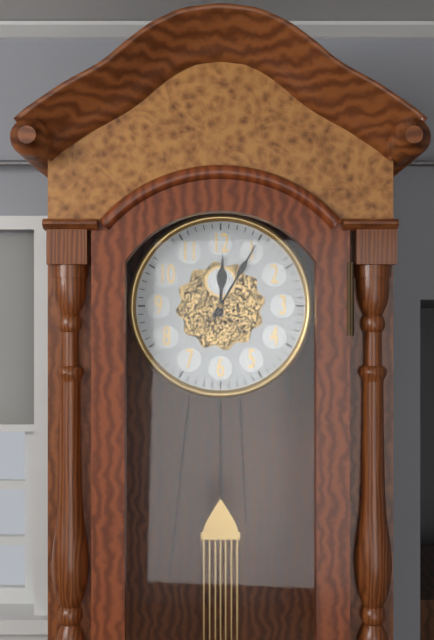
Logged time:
12,05
